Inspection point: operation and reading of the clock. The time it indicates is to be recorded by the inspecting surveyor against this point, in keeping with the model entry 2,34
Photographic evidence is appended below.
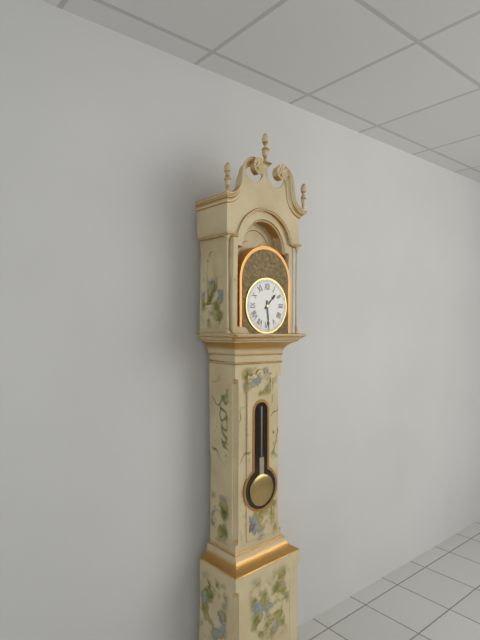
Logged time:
1,29
